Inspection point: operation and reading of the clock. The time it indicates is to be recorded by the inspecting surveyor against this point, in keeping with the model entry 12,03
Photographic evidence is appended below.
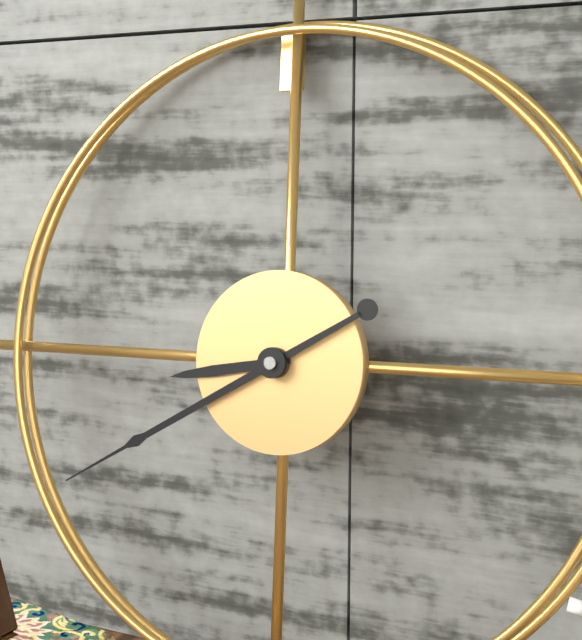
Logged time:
8,40
